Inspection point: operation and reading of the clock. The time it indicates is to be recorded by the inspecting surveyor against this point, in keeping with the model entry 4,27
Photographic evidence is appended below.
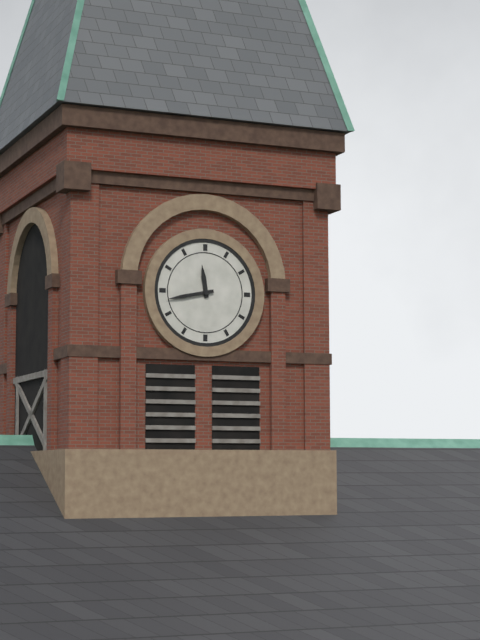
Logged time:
11,43
